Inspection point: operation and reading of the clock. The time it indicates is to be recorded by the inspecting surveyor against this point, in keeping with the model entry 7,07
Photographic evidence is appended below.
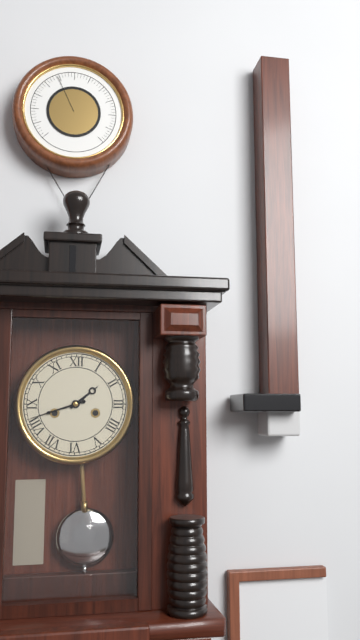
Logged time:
1,42
